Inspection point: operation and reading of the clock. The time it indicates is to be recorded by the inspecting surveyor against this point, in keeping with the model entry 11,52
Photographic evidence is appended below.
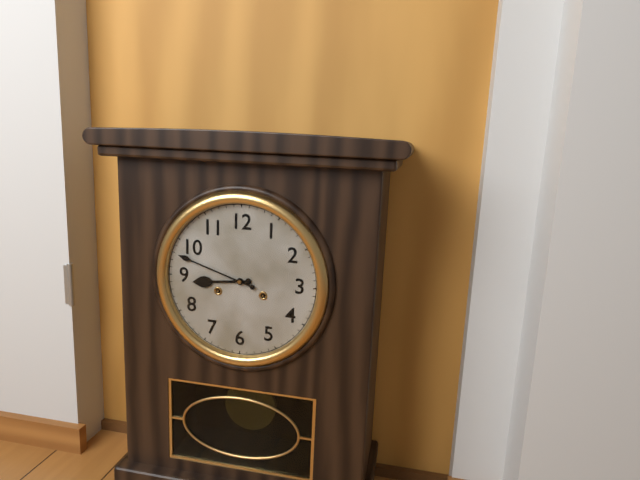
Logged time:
8,48
